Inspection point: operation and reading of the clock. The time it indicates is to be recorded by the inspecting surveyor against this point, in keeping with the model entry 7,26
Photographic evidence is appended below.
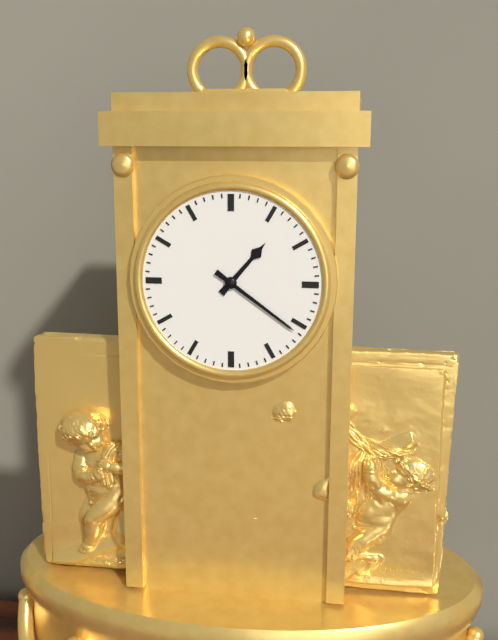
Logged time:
1,21
